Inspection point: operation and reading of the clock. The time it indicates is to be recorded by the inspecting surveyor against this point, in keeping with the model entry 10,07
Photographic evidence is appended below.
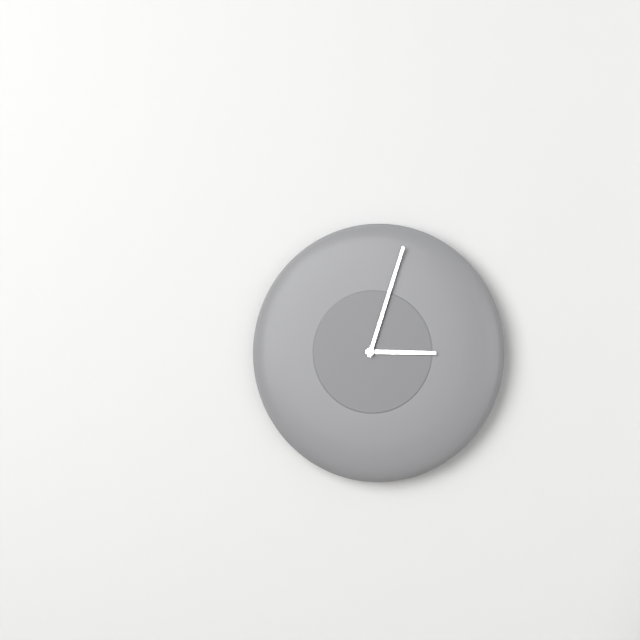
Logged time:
3,03
